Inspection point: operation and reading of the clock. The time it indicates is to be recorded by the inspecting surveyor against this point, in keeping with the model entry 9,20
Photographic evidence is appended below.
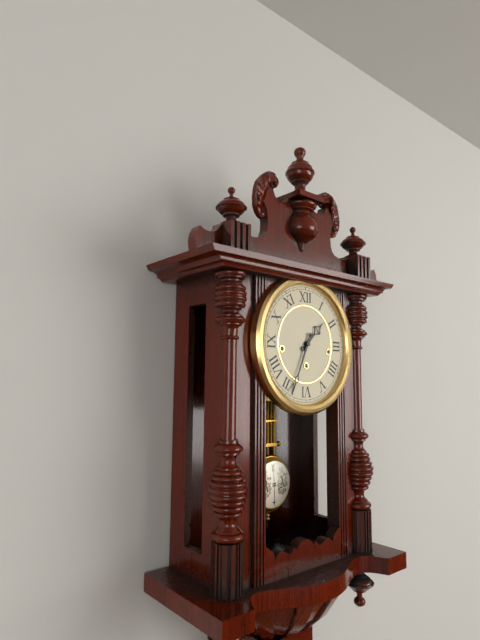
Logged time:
1,34
